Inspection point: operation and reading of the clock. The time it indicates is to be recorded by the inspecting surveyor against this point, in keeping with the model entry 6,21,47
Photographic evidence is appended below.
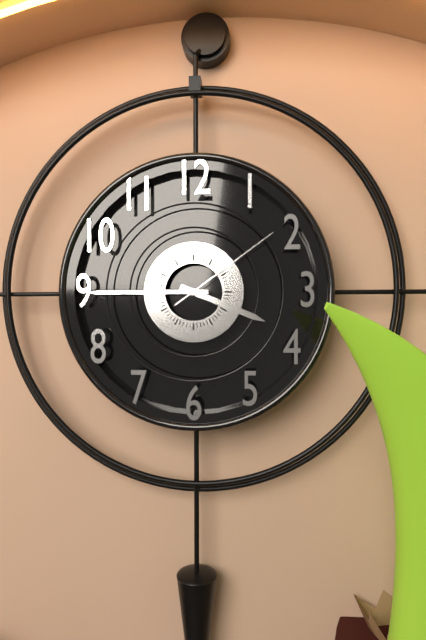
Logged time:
3,45,09
